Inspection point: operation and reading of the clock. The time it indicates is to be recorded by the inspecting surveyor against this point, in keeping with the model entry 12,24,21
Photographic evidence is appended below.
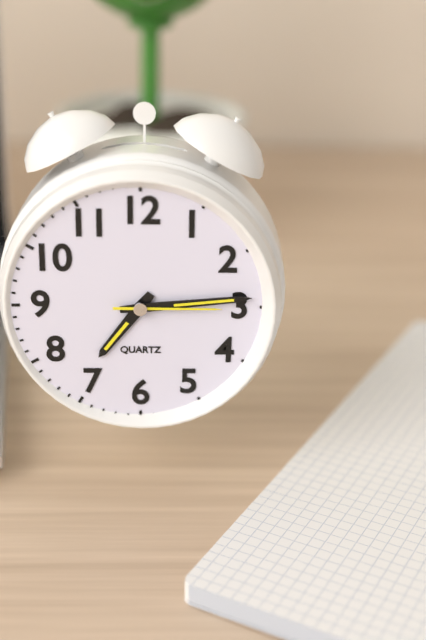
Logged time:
7,14,15
